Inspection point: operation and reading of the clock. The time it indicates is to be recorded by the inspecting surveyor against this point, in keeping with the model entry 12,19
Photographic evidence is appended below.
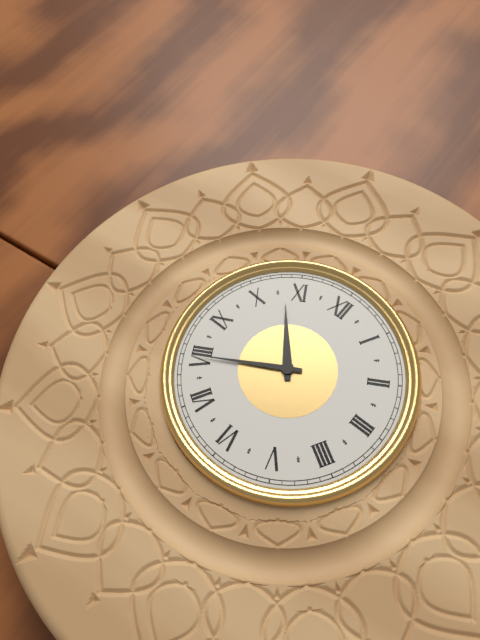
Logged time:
10,40
